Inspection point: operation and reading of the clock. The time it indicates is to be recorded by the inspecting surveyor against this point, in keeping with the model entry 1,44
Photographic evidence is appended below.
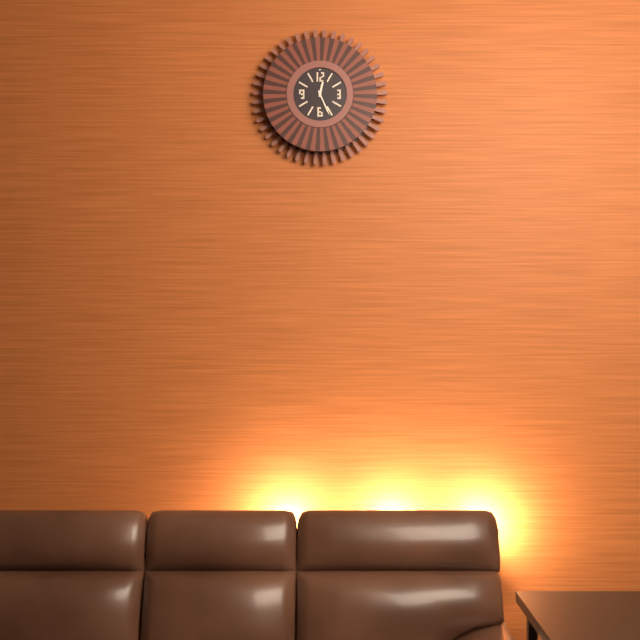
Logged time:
12,26
